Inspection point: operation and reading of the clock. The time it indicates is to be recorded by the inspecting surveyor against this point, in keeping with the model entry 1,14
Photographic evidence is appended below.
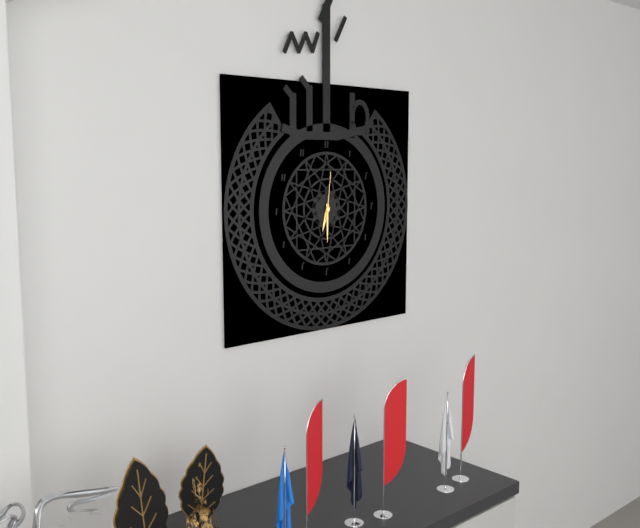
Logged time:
6,30
